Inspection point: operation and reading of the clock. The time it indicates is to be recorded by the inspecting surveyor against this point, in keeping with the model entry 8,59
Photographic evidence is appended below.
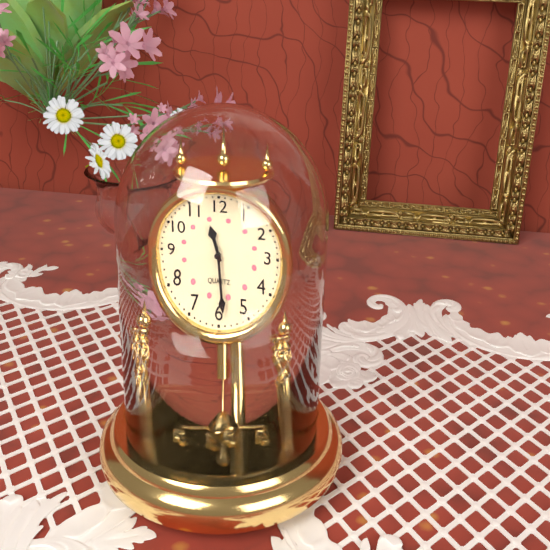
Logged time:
11,29
